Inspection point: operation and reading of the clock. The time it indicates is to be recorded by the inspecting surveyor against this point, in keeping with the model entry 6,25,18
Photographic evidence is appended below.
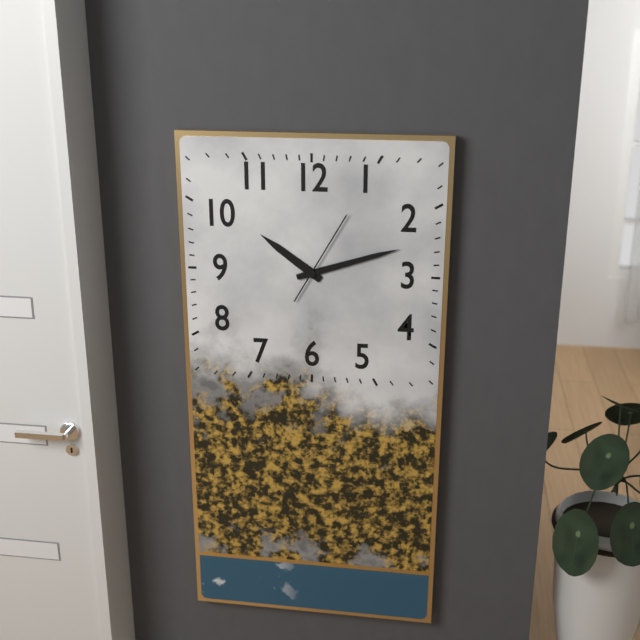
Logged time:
10,12,05
